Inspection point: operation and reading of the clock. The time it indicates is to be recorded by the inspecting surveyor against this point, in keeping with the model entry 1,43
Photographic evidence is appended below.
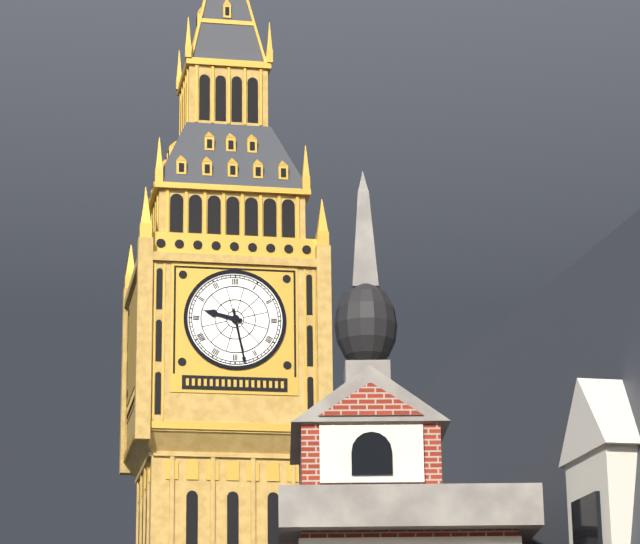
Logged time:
9,28
